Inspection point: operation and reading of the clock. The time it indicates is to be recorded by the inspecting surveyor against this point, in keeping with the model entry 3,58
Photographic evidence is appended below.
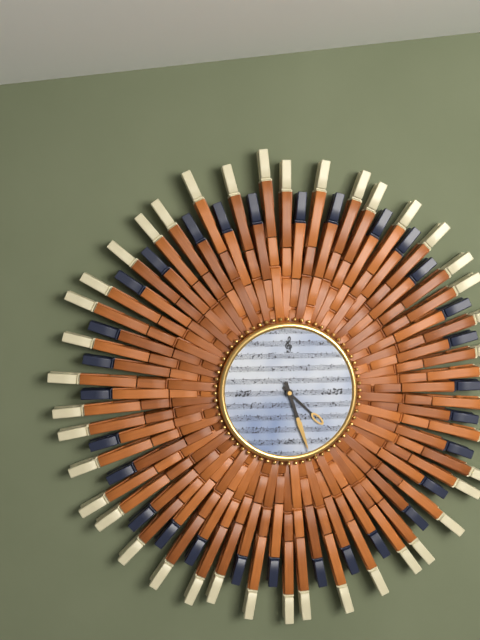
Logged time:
4,27
